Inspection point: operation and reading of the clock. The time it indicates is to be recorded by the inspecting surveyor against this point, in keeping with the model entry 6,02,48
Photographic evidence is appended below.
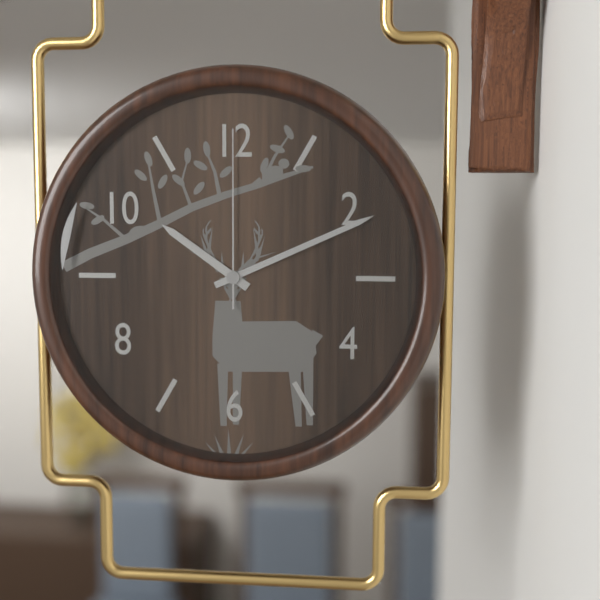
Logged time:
10,11,00
